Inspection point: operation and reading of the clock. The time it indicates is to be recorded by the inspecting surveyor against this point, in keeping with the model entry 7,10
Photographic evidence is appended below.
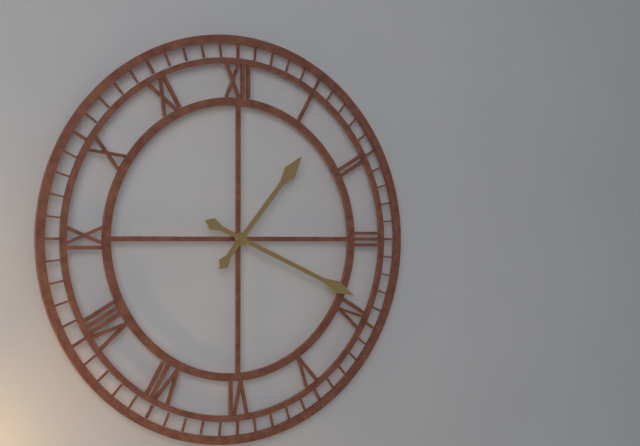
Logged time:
1,19
